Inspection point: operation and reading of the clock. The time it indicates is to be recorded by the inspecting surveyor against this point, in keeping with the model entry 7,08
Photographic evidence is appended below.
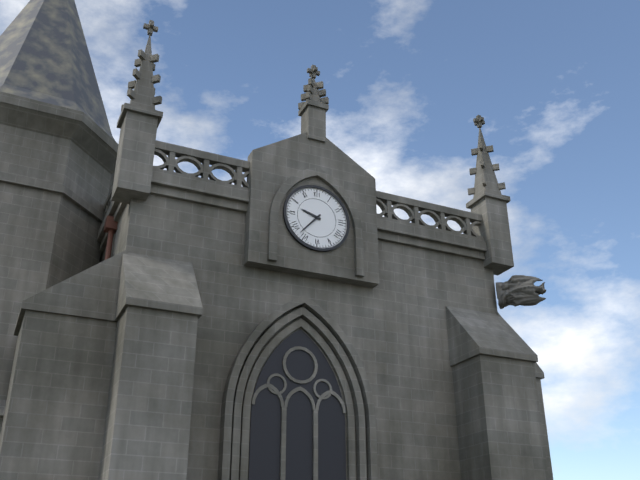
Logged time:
9,37
